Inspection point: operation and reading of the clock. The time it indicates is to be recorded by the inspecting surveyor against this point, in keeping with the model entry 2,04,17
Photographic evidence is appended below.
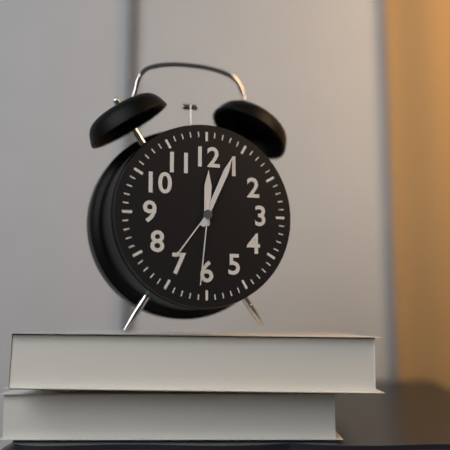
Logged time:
12,04,31
